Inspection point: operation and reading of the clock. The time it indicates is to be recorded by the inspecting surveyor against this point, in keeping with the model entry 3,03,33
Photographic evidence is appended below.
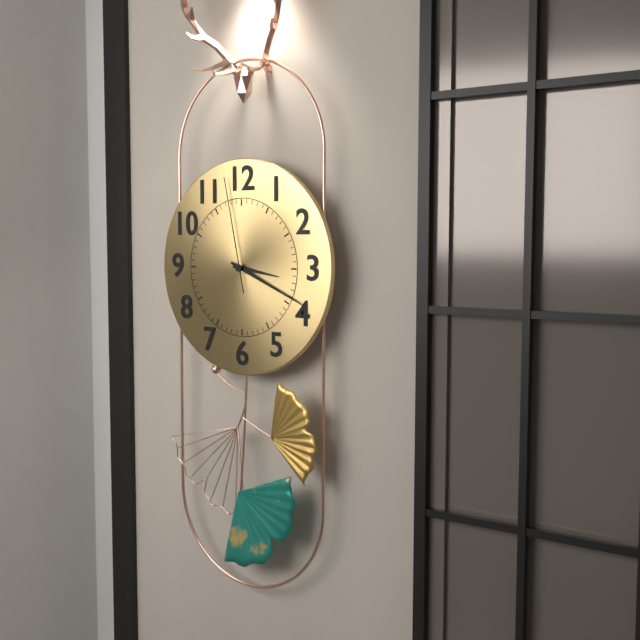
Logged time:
3,19,58
